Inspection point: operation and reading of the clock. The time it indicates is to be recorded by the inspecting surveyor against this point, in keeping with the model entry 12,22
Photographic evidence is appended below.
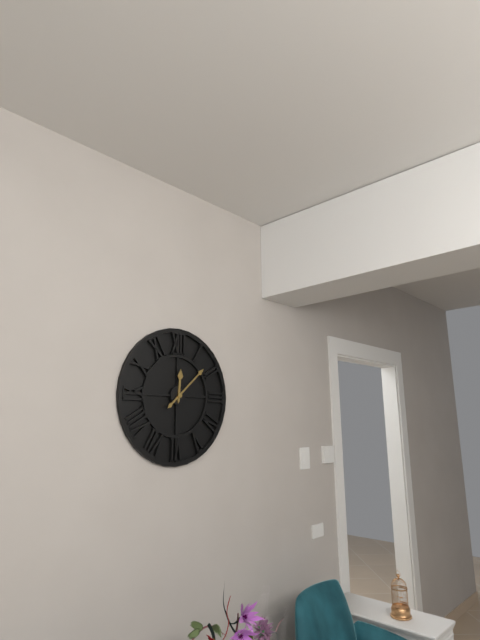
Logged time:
12,08
